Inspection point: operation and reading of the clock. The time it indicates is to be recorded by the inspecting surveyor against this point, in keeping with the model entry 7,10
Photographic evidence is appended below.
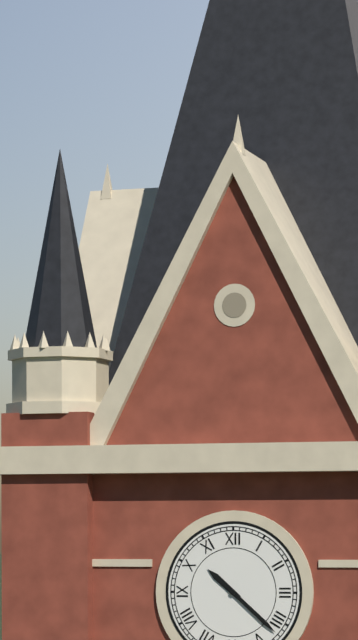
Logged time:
10,22
